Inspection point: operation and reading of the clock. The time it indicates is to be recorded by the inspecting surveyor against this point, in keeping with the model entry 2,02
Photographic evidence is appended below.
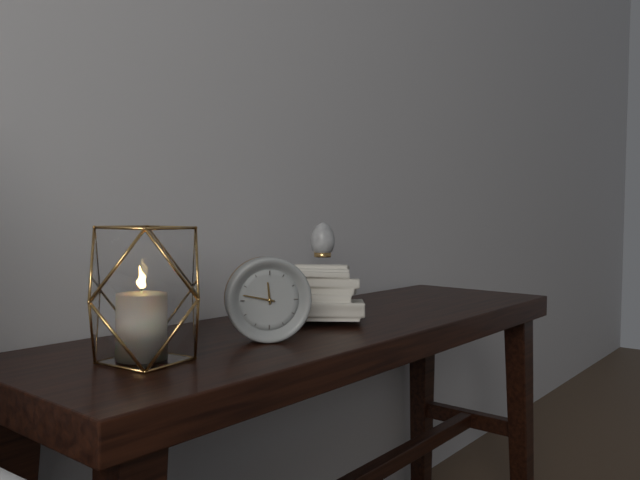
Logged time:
11,47
